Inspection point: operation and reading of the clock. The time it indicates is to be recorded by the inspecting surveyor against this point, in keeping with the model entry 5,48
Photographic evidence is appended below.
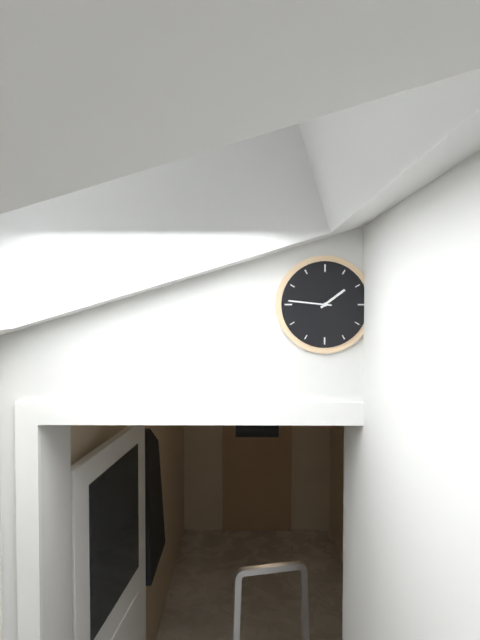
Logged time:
1,46
